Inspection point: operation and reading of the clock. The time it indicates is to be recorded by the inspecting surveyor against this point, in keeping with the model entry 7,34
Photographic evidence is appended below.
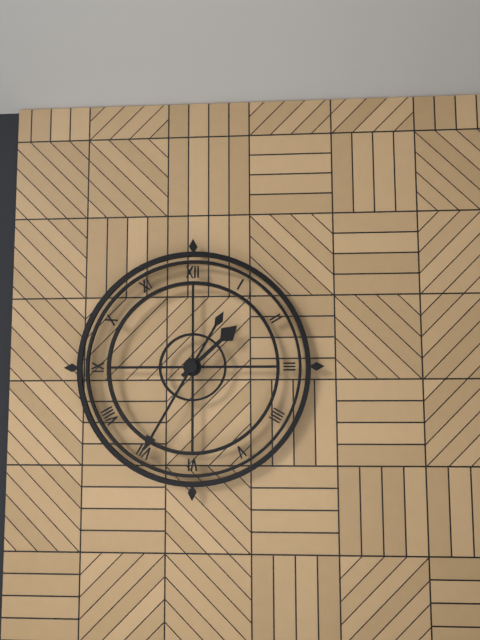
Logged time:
1,35
